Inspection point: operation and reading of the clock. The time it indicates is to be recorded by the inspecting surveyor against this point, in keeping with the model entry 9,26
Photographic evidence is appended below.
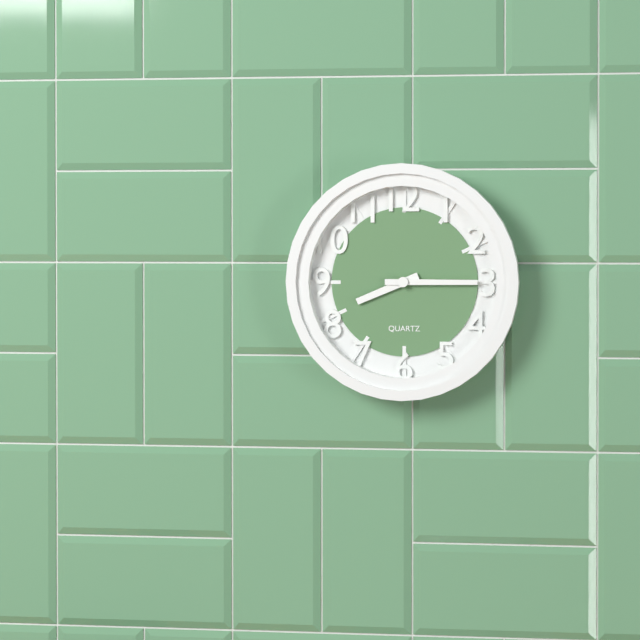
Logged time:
8,15
